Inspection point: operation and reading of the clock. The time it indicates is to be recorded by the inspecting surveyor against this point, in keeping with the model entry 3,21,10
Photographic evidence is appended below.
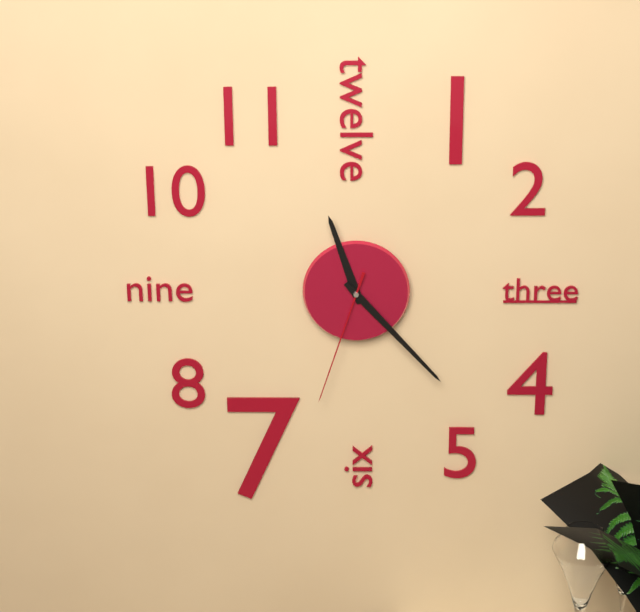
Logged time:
11,23,33
